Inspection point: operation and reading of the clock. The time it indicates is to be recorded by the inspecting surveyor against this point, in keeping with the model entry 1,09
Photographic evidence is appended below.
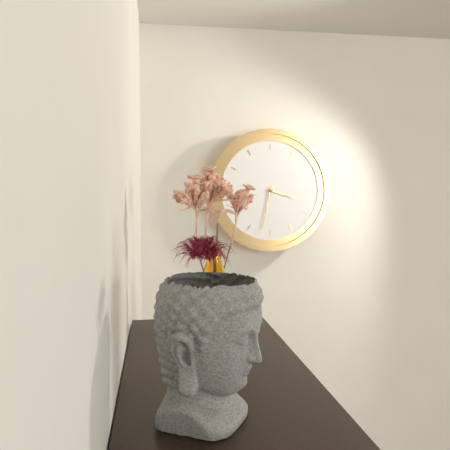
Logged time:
3,32
